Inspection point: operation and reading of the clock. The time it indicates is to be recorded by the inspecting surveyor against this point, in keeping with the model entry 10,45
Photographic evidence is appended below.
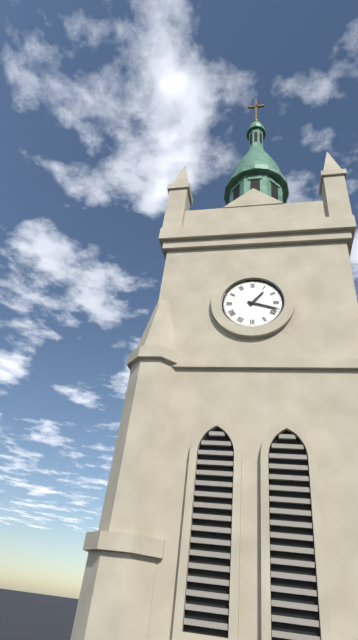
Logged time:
1,18
